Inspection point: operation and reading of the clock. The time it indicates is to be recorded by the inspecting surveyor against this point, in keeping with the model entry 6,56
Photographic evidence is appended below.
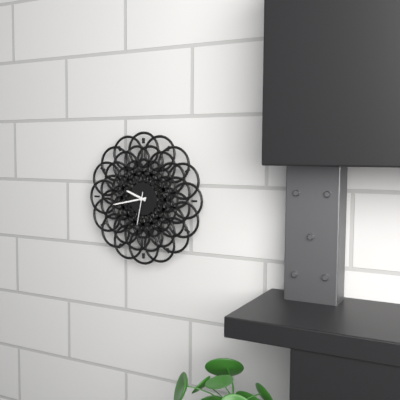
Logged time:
9,43
